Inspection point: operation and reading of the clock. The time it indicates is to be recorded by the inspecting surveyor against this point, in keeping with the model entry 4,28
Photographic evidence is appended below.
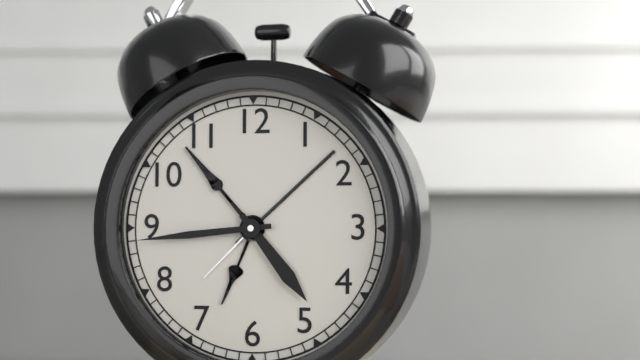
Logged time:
4,44
